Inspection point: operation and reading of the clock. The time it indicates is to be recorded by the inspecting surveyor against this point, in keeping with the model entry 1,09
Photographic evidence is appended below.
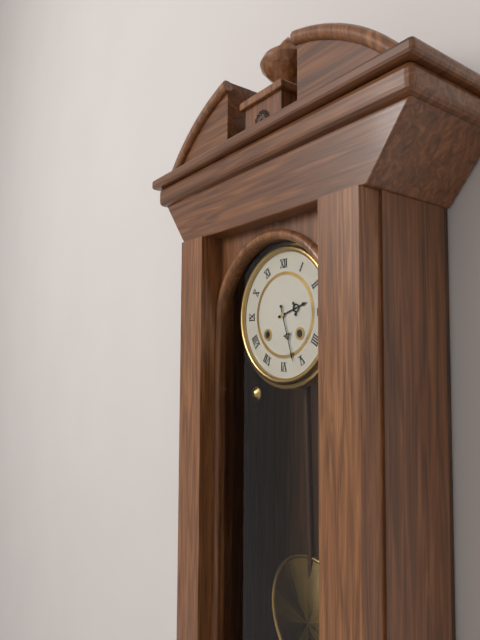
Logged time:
2,27
